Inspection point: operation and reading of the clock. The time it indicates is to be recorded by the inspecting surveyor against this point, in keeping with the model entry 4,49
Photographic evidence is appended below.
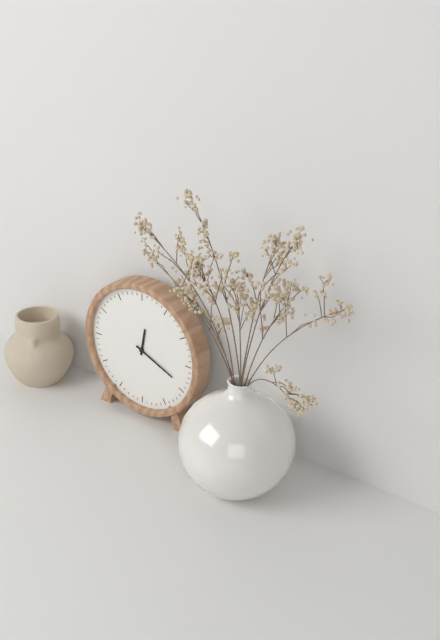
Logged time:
12,19
